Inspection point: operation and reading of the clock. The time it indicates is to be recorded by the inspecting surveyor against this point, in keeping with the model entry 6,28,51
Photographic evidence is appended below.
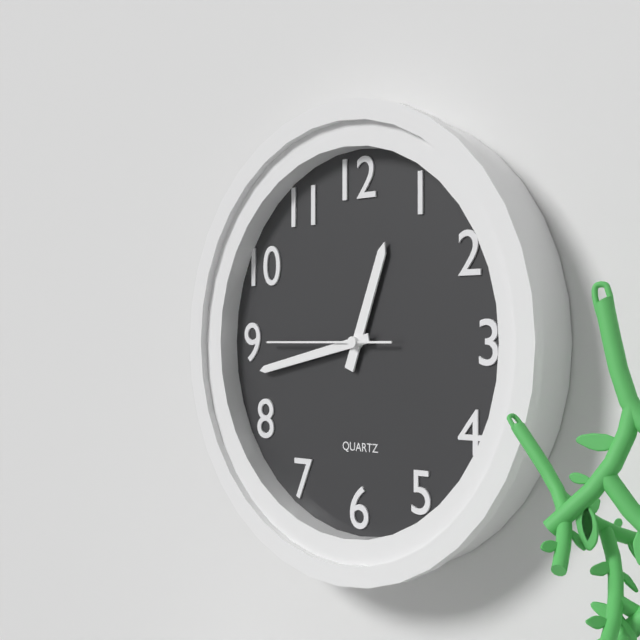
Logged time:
12,43,45
